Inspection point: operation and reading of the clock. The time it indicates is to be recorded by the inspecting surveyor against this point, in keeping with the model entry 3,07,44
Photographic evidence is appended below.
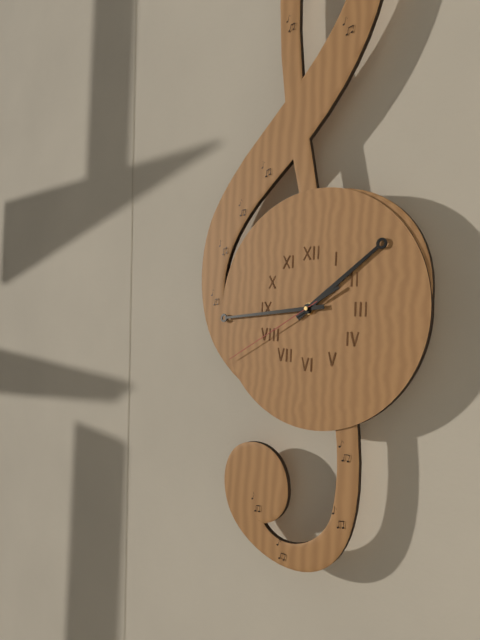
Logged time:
1,44,40
